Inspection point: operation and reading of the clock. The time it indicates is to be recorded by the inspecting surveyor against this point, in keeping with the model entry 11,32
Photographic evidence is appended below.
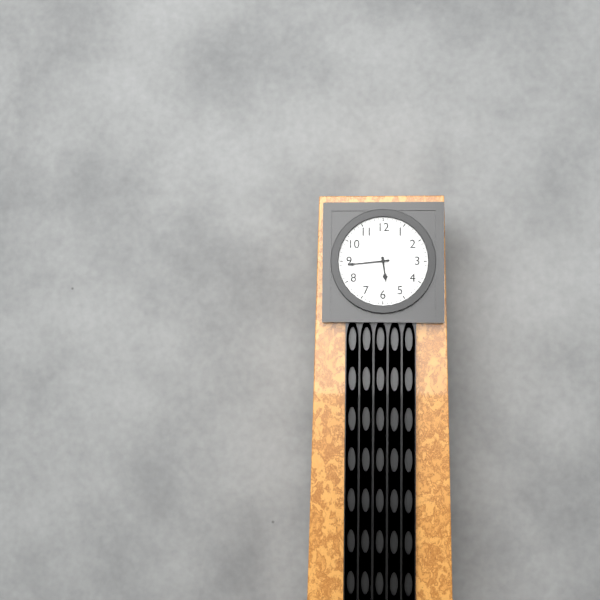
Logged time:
5,44
